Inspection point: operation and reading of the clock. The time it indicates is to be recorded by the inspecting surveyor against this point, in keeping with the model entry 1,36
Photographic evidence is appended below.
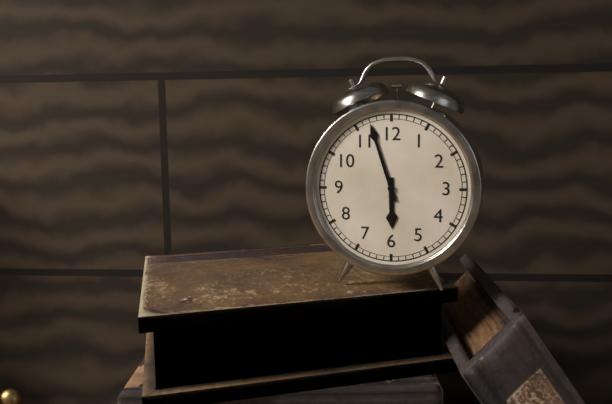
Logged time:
5,57
